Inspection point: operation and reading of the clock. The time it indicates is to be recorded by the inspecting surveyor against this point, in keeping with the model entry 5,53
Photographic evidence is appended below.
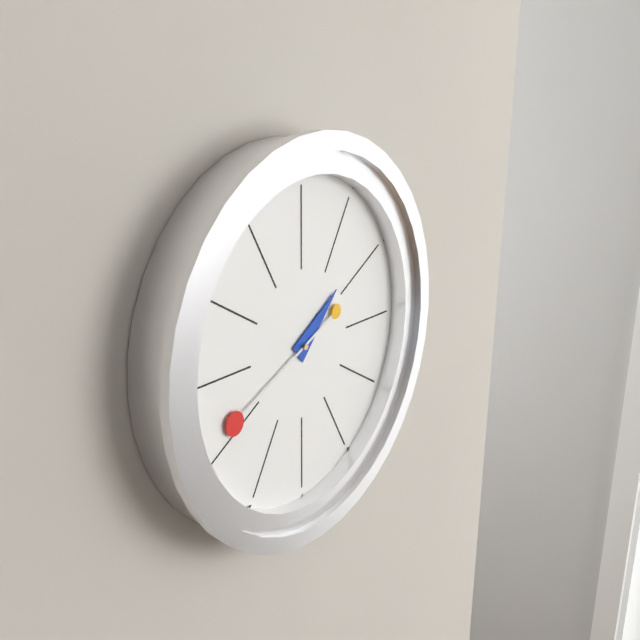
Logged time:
1,41
